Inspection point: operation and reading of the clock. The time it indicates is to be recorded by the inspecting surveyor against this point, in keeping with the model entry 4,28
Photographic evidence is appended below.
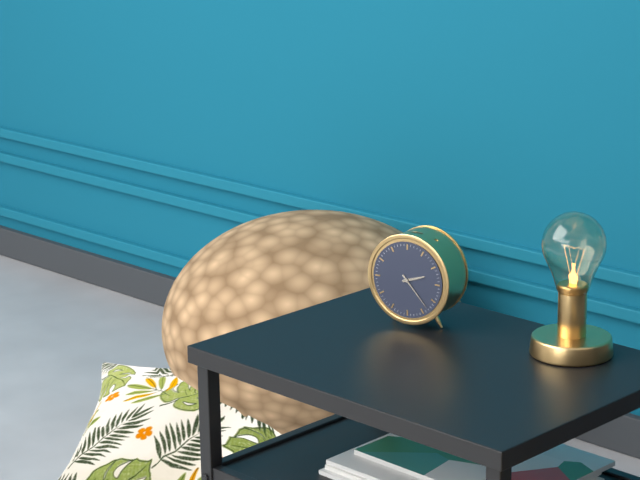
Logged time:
2,23
